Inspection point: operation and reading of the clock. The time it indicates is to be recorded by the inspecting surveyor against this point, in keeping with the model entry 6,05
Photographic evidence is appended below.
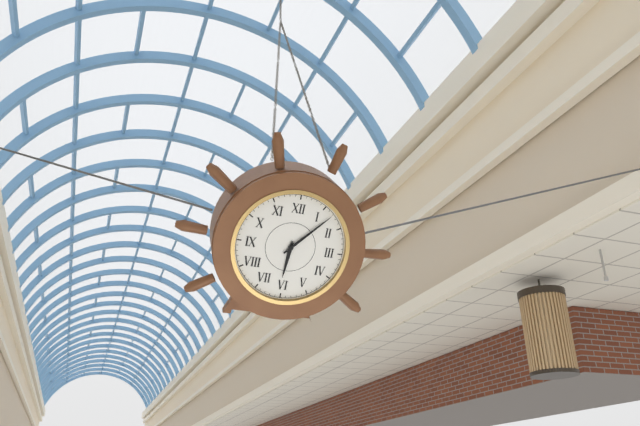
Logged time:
6,07
